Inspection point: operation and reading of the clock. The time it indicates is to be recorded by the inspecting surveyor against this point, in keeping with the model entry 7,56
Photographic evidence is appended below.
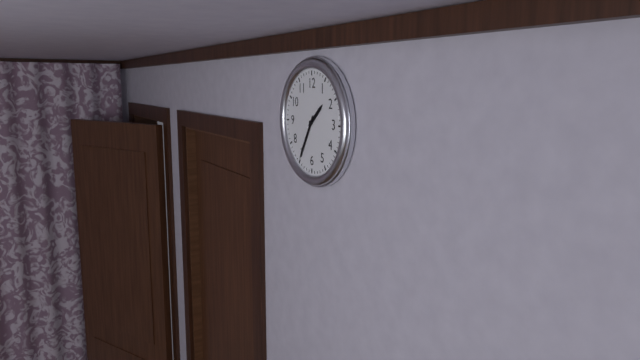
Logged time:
1,35
